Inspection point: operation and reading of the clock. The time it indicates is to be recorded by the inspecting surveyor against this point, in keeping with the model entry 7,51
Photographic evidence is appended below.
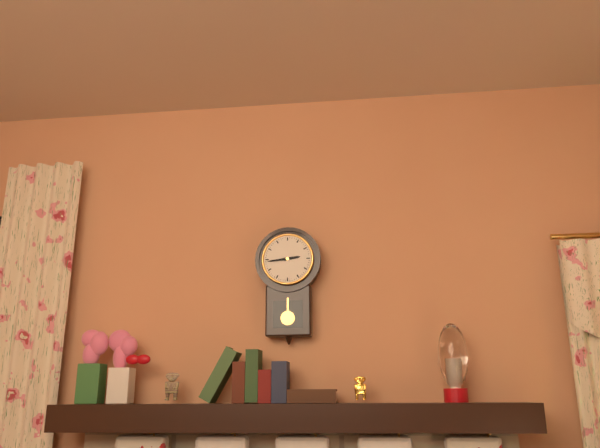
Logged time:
2,44
